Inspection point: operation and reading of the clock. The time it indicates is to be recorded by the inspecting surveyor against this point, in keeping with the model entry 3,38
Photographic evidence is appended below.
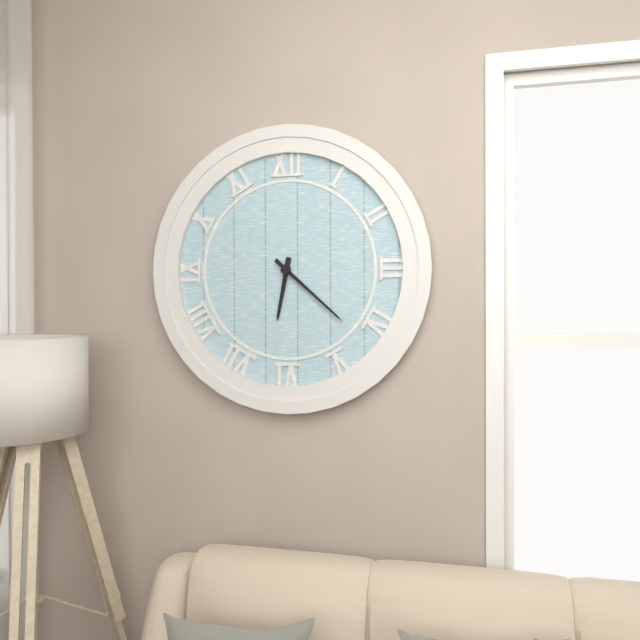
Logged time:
6,22
